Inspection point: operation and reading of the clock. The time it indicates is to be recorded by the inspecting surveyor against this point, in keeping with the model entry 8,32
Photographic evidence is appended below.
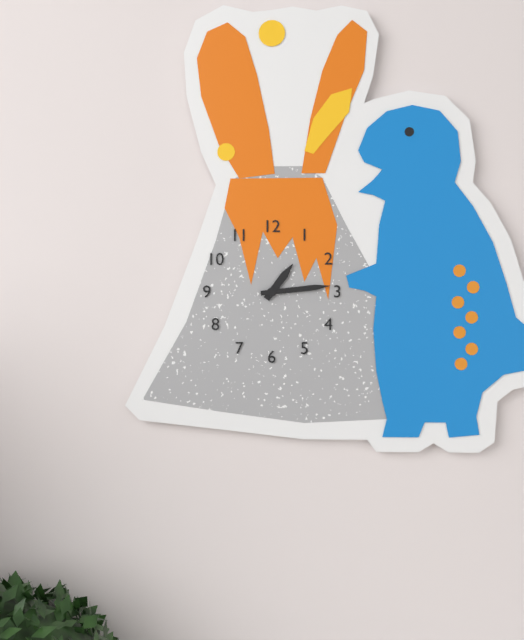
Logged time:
1,14
